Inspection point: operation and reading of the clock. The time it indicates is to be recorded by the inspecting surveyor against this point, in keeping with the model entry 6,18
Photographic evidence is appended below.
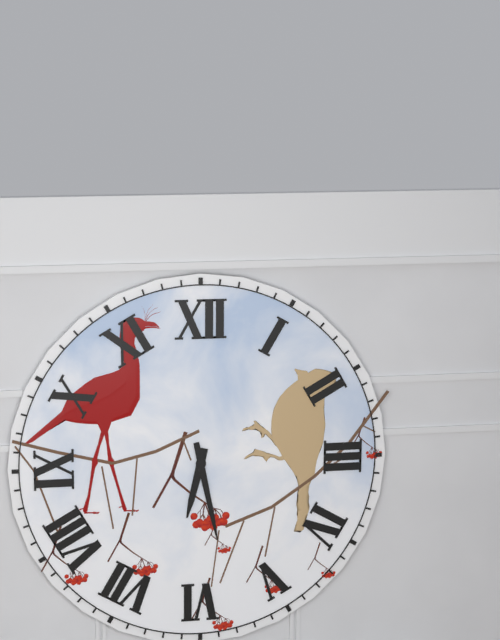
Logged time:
6,28
